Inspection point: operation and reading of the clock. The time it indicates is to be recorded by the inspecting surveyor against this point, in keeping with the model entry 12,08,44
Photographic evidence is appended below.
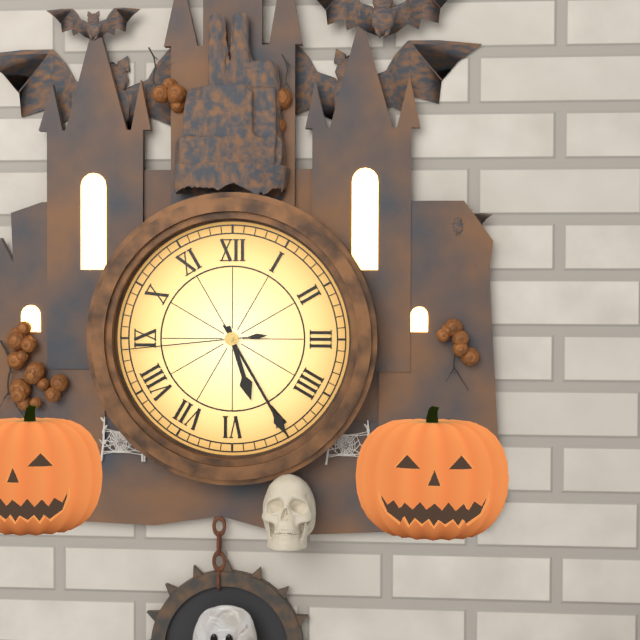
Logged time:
5,25,44
